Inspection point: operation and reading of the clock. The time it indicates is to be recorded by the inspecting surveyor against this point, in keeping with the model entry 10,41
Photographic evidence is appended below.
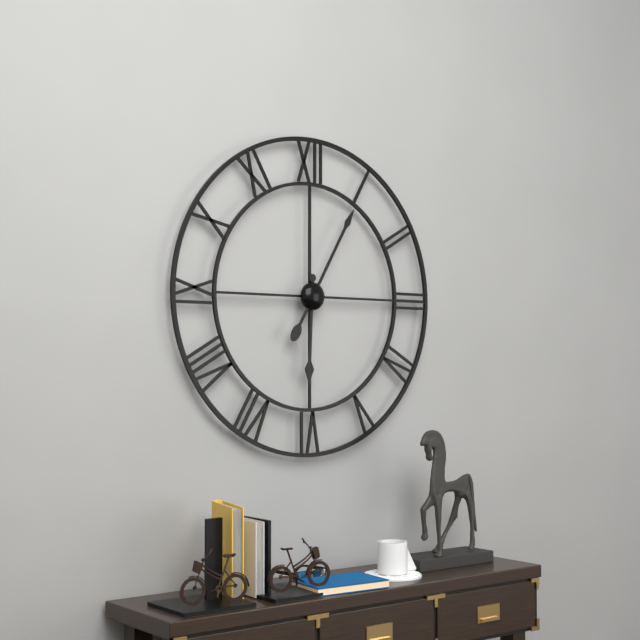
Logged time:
6,05
